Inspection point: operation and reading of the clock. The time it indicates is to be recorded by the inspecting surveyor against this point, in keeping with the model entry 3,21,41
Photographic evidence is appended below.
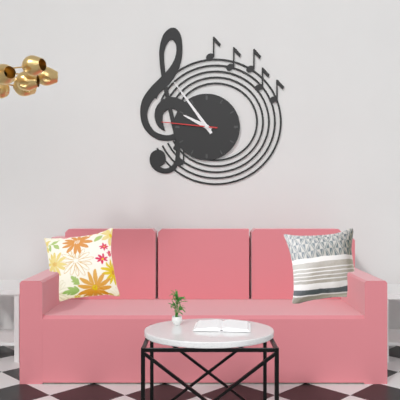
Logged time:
9,54,46
